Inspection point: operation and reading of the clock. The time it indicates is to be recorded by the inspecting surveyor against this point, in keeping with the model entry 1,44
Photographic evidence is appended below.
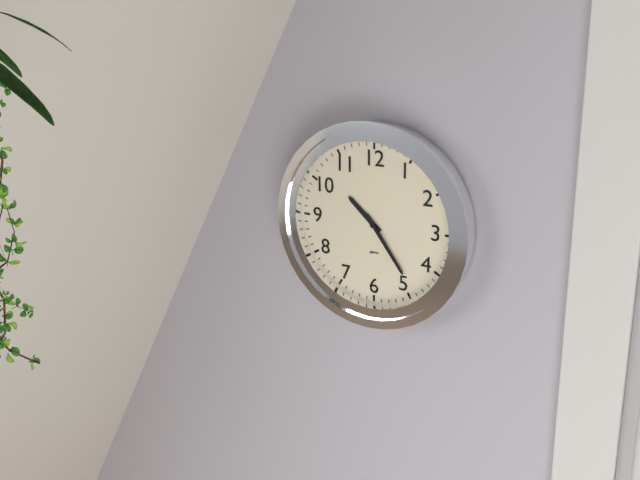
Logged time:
10,24
